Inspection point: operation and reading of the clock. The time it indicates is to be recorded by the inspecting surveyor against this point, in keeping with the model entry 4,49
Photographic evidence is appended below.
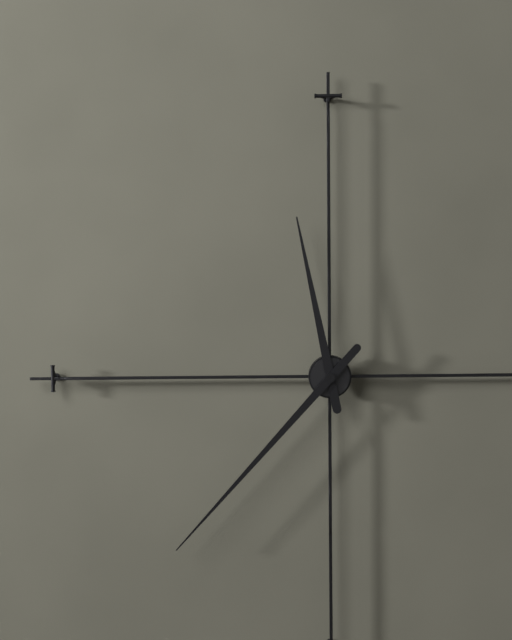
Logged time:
11,37
